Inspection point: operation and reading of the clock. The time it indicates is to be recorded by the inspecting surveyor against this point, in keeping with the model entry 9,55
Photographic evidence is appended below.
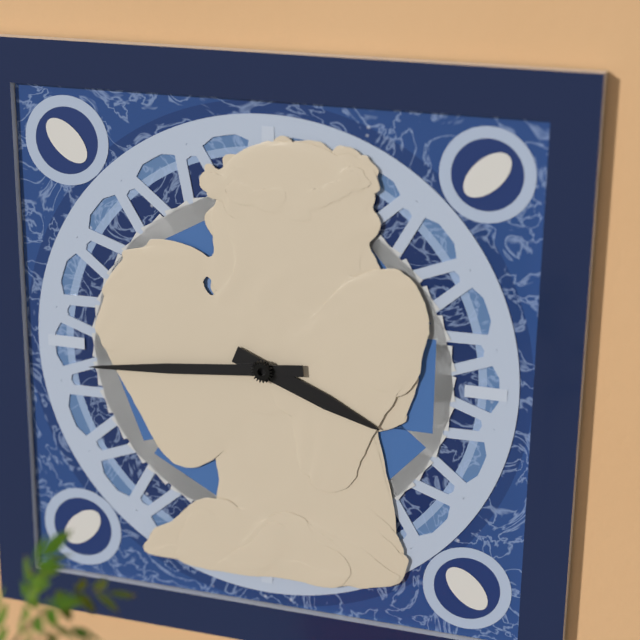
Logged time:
3,44
